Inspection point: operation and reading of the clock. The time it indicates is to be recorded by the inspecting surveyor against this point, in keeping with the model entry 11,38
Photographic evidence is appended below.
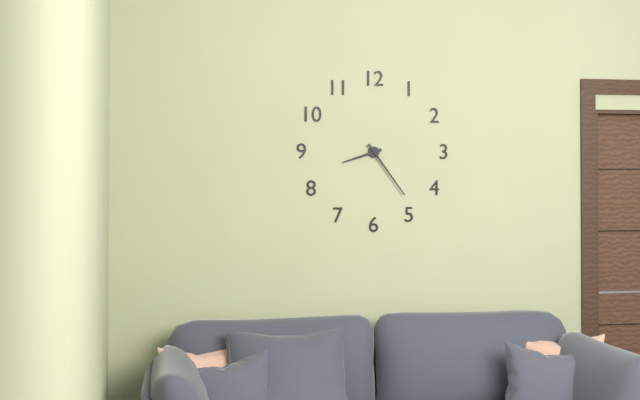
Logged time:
8,24
